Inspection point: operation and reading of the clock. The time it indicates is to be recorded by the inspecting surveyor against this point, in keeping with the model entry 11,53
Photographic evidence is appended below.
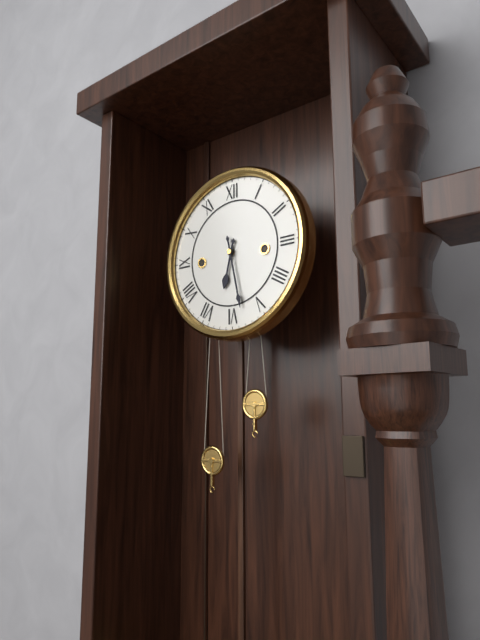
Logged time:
6,28
